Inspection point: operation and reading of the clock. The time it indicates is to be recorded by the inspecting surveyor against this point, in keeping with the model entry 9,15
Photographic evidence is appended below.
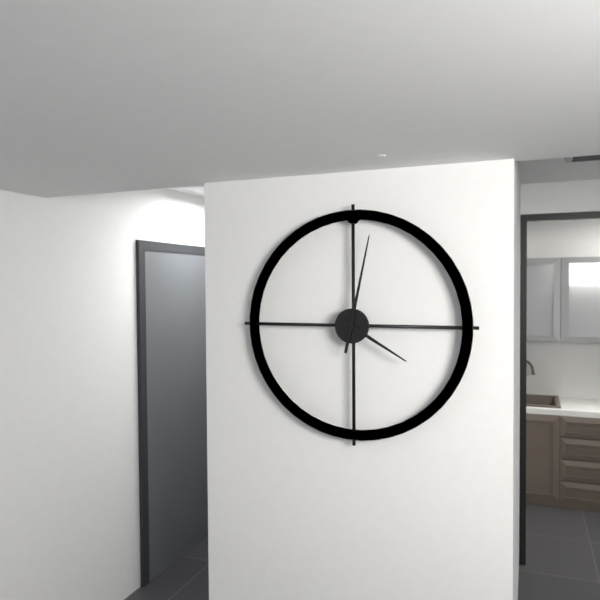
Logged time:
4,02
